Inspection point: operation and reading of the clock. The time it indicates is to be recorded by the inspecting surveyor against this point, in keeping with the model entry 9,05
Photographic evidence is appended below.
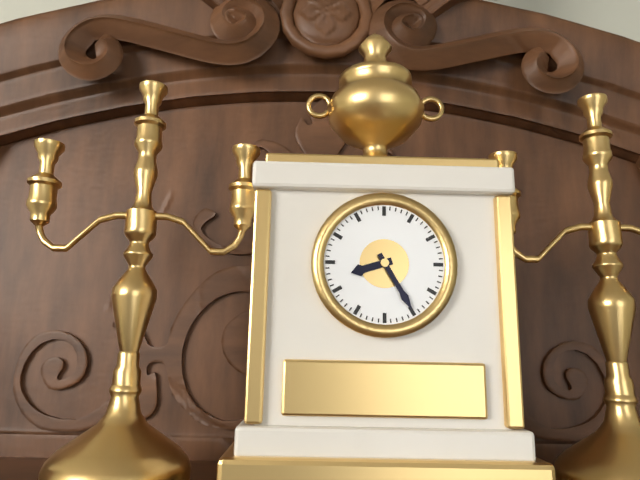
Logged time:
8,25
